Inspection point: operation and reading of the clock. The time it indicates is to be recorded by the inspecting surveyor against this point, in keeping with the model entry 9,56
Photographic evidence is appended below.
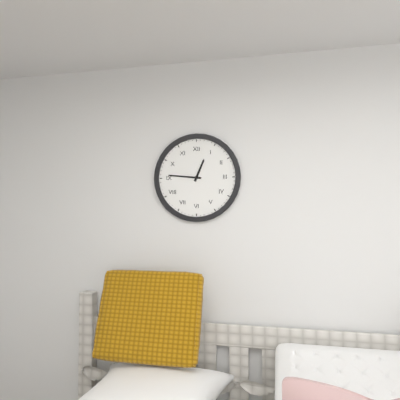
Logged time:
12,46
